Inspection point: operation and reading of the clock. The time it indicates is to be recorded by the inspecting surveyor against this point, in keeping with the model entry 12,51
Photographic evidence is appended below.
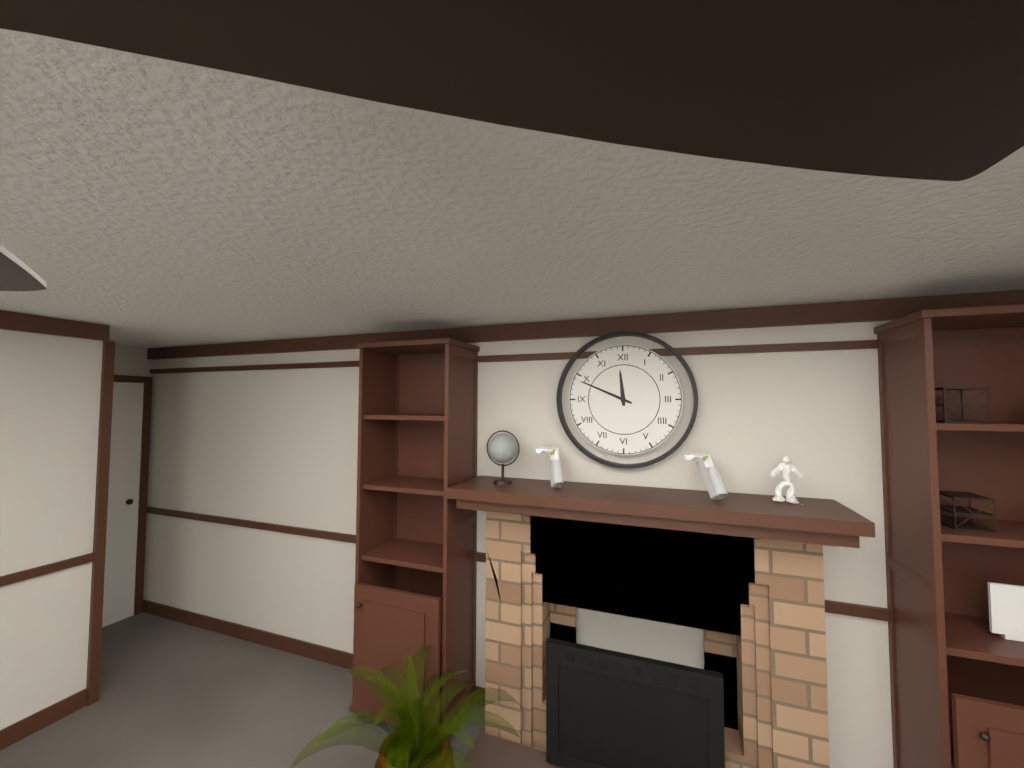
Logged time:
11,49
